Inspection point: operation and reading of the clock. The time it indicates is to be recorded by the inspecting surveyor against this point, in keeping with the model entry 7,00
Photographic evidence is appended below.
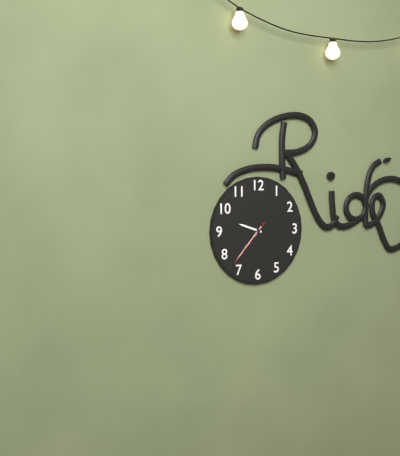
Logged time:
9,37
